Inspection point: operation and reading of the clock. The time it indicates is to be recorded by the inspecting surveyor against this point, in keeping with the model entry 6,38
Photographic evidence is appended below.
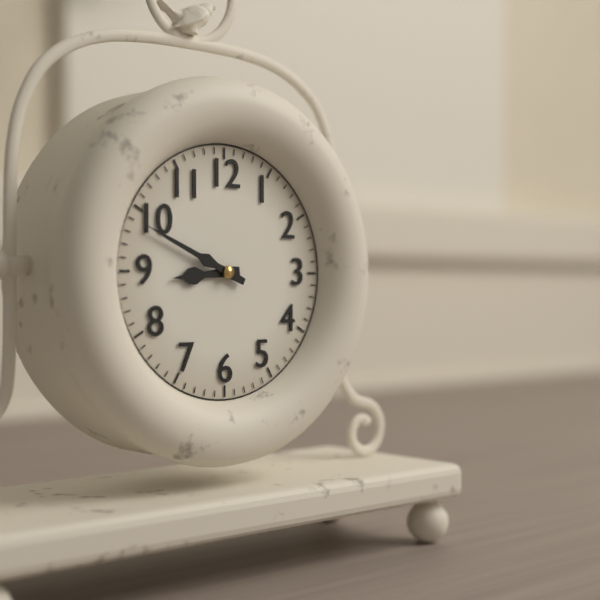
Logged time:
8,49
